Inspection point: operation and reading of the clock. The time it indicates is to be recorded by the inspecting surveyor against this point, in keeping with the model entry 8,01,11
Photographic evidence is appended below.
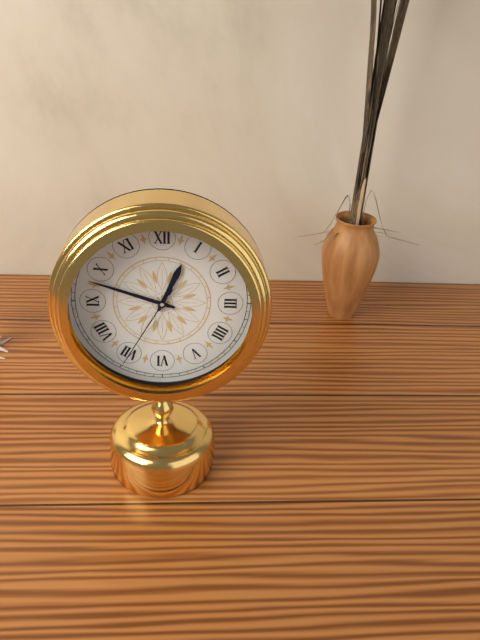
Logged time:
12,48,35
